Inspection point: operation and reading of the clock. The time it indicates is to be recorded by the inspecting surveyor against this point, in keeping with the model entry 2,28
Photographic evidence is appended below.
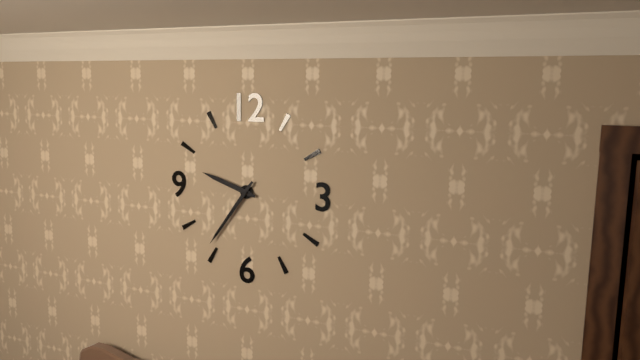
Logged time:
9,36
